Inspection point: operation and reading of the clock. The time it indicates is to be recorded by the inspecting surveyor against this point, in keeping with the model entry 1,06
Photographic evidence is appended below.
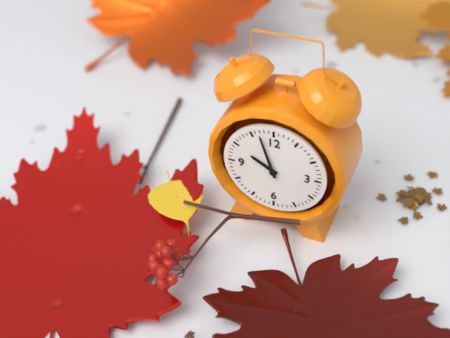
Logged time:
9,57
